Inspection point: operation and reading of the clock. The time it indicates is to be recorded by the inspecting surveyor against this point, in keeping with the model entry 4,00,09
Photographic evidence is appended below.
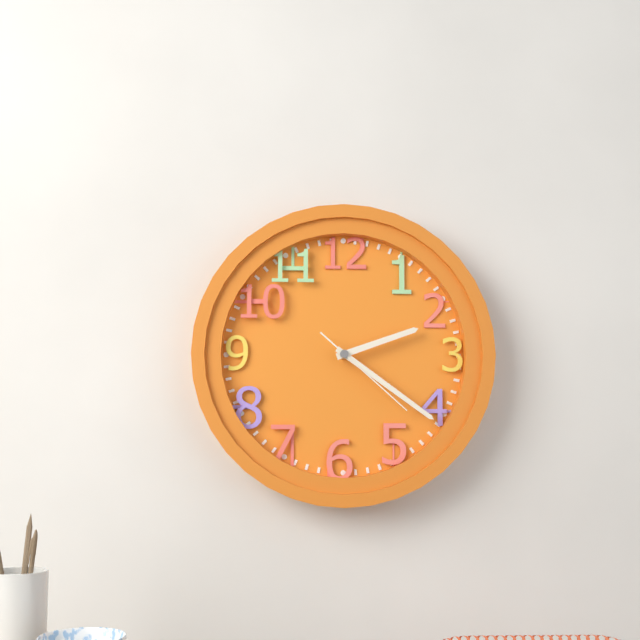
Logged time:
2,21,22
